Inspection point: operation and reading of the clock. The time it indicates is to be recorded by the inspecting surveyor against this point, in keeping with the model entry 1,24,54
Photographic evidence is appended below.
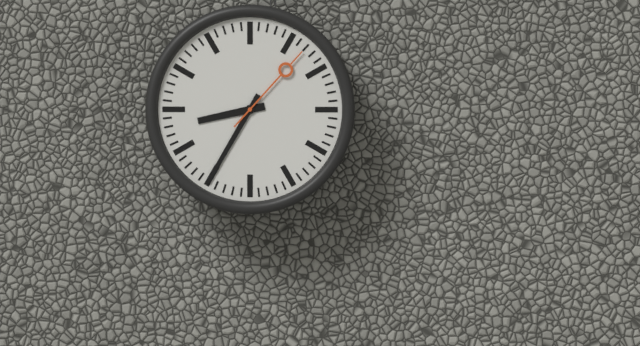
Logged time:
8,35,07
